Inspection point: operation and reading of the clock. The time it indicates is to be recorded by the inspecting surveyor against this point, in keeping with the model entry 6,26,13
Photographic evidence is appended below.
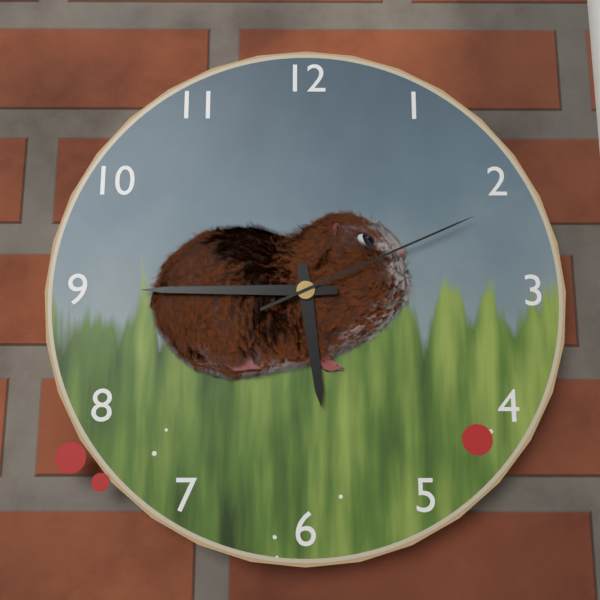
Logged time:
5,45,11
